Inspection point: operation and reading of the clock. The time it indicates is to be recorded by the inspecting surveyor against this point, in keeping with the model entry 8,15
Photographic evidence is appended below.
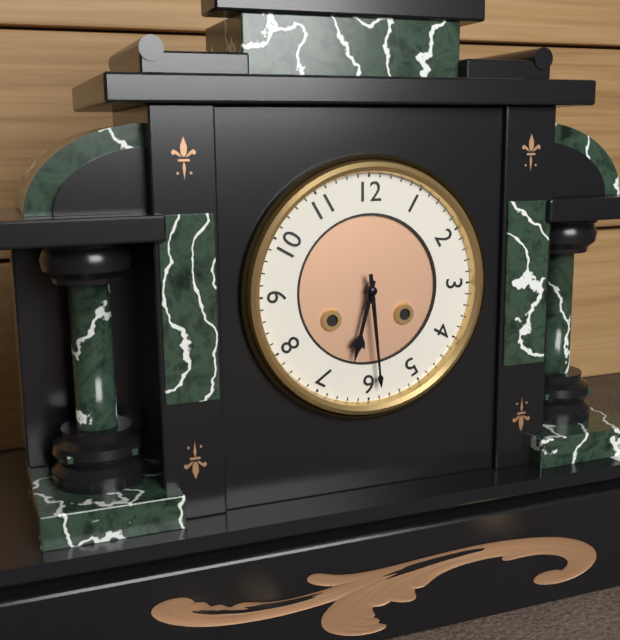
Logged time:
6,29
